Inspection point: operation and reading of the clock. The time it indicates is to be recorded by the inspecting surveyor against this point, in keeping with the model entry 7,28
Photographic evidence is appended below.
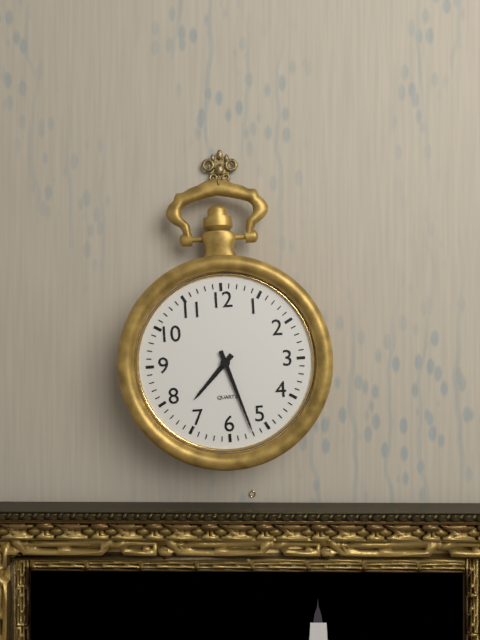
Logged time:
7,27
